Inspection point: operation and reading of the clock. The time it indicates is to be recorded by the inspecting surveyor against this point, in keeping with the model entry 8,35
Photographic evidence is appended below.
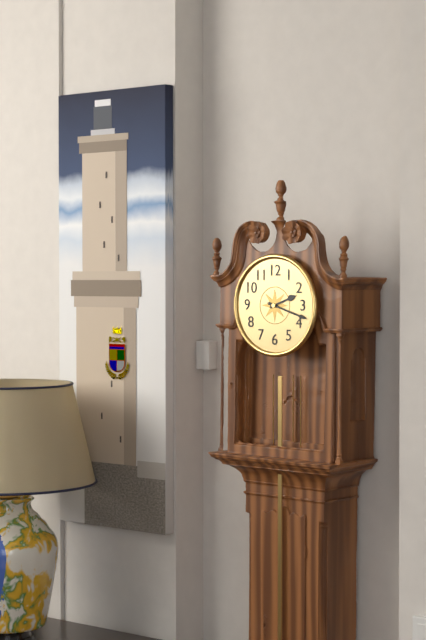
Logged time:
2,18
